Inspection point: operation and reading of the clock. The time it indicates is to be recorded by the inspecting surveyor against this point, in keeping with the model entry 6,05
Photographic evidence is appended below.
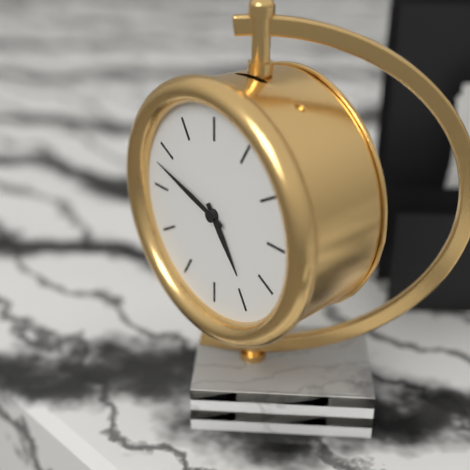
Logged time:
4,48
